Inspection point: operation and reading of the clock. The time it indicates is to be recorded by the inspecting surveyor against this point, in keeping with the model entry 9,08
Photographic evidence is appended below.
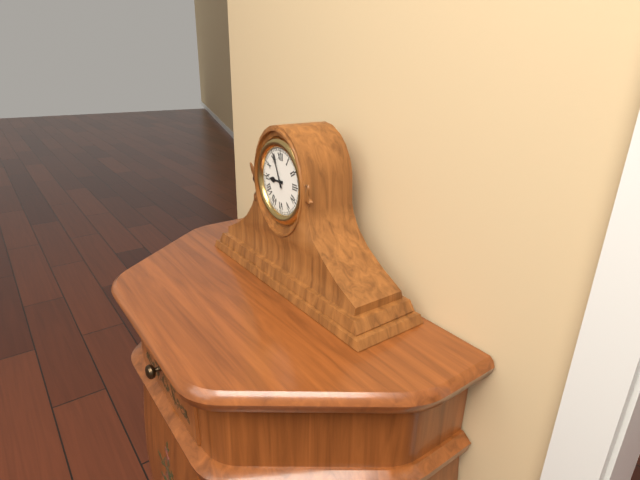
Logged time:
8,56
